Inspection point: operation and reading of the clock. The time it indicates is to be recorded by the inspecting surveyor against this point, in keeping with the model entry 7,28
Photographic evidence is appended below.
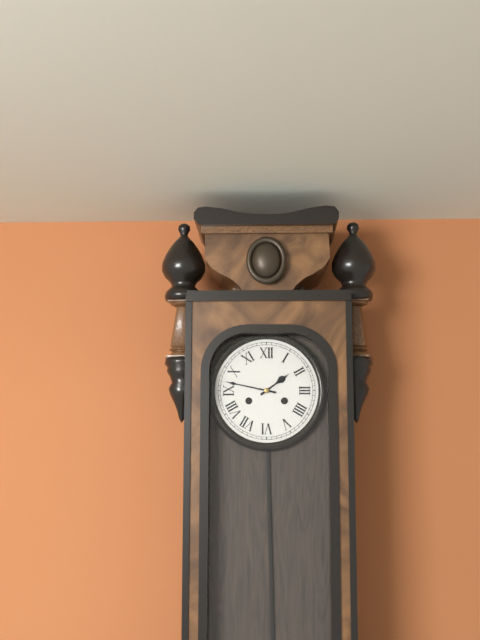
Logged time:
1,47
